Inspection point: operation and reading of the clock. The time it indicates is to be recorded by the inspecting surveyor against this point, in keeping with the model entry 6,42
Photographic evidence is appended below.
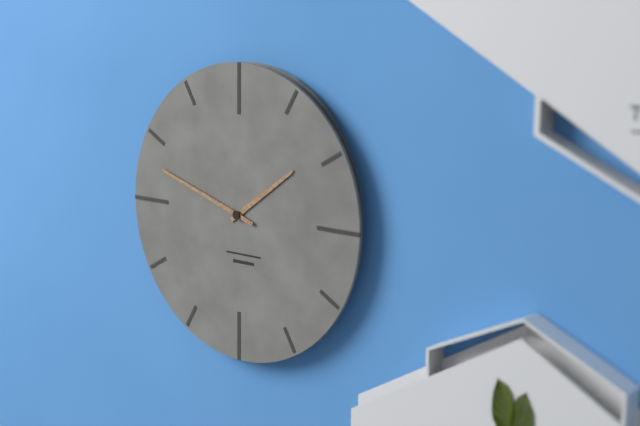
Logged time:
1,48
